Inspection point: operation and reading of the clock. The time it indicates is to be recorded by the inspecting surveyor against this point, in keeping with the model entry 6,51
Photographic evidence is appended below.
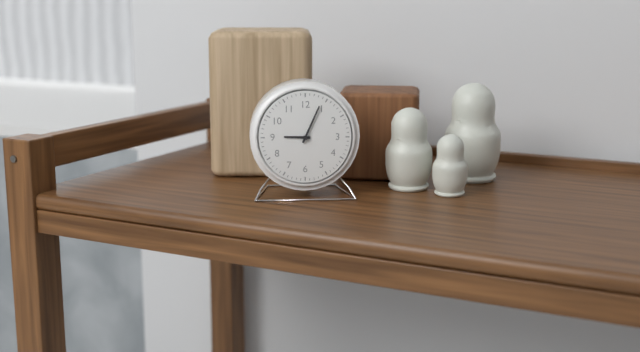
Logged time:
9,04
